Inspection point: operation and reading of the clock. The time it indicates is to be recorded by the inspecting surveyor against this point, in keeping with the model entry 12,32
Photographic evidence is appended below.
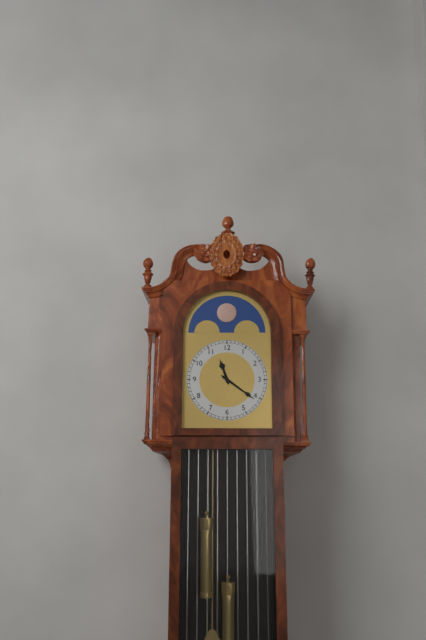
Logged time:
11,21
